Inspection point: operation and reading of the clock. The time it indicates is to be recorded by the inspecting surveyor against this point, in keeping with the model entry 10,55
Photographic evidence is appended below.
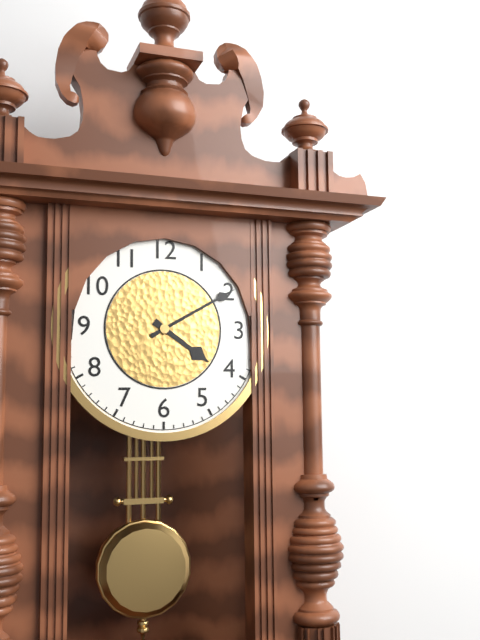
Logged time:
4,10
